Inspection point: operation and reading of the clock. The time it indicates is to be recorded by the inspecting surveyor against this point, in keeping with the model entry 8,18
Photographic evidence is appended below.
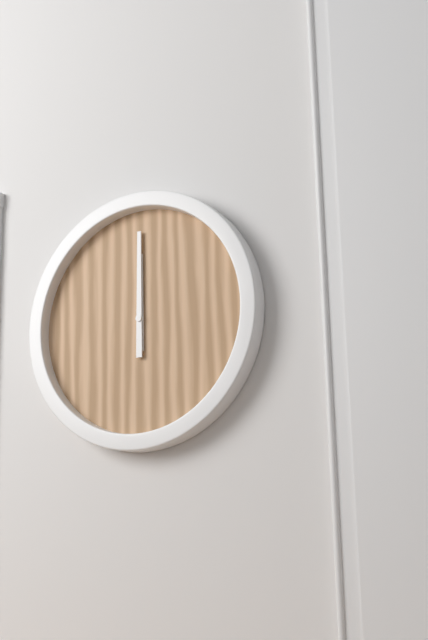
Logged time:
12,00
